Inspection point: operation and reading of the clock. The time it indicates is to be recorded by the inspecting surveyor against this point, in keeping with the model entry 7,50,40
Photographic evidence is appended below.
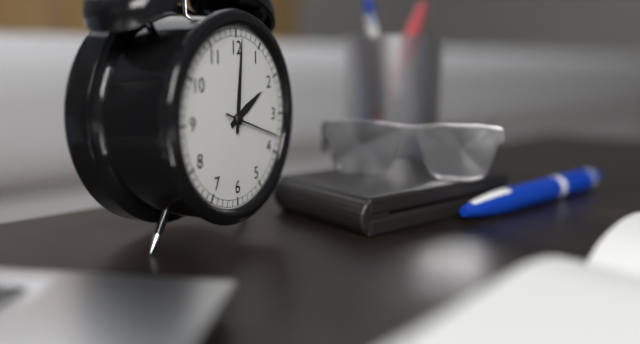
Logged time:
2,01,18
